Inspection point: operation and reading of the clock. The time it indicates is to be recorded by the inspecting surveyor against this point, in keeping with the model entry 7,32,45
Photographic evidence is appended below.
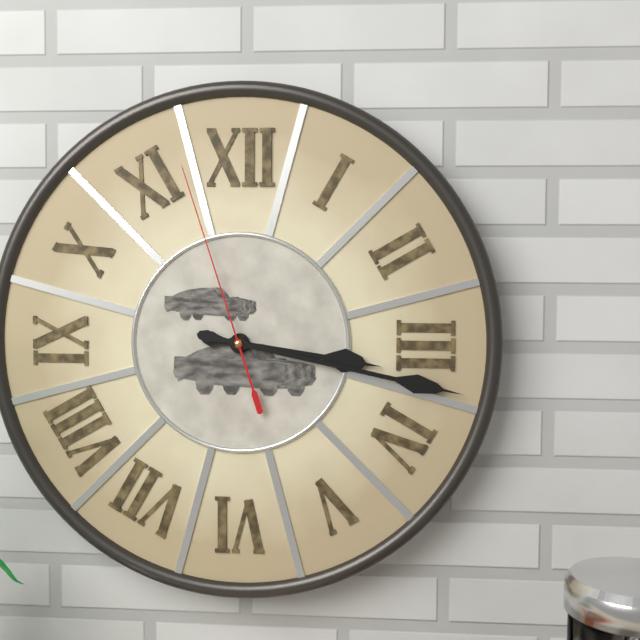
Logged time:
3,17,57
